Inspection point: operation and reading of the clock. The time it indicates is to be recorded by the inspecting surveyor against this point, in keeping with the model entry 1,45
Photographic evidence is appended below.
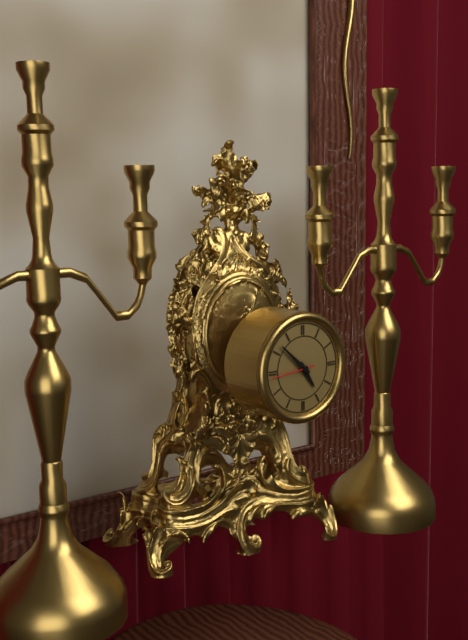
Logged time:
4,52
